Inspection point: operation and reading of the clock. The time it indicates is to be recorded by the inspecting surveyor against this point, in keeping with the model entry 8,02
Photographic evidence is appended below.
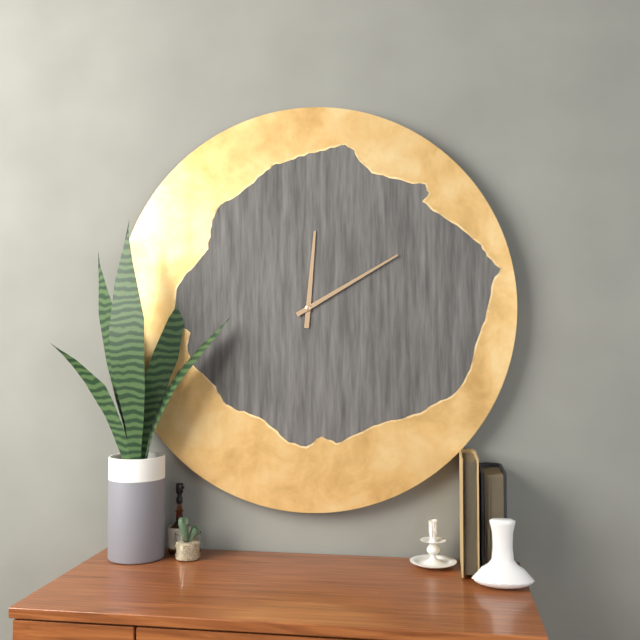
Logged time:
12,10
